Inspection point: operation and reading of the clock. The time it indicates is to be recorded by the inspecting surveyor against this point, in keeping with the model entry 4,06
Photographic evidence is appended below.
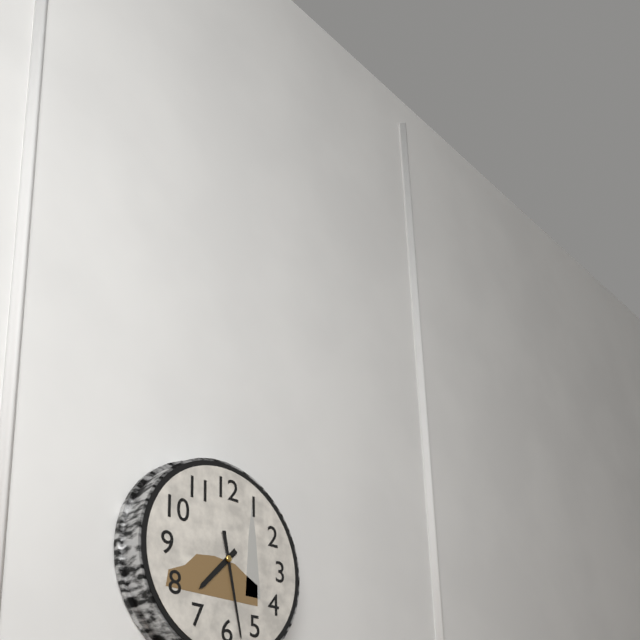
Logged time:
7,28
